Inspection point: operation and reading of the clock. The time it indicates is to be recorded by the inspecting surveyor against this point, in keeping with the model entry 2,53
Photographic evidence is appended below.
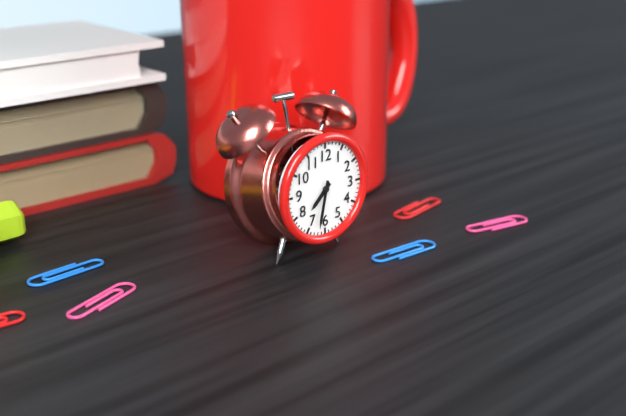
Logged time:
7,32
